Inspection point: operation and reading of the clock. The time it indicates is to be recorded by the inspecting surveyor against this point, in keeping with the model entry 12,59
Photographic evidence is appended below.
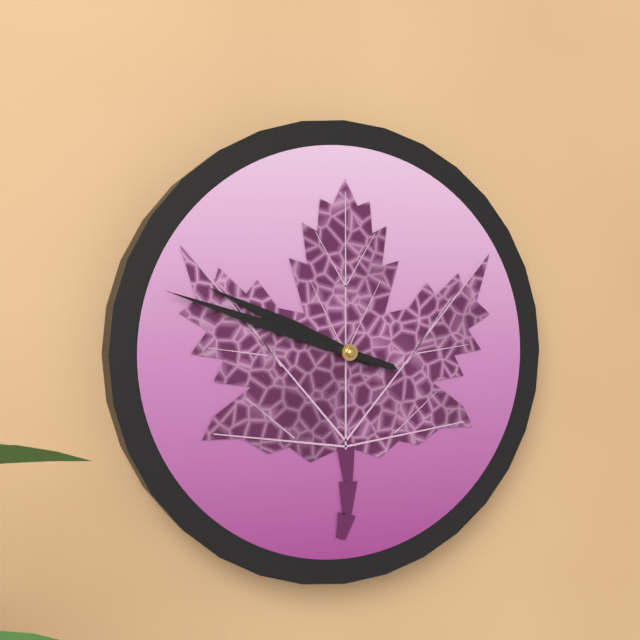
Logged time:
9,48
